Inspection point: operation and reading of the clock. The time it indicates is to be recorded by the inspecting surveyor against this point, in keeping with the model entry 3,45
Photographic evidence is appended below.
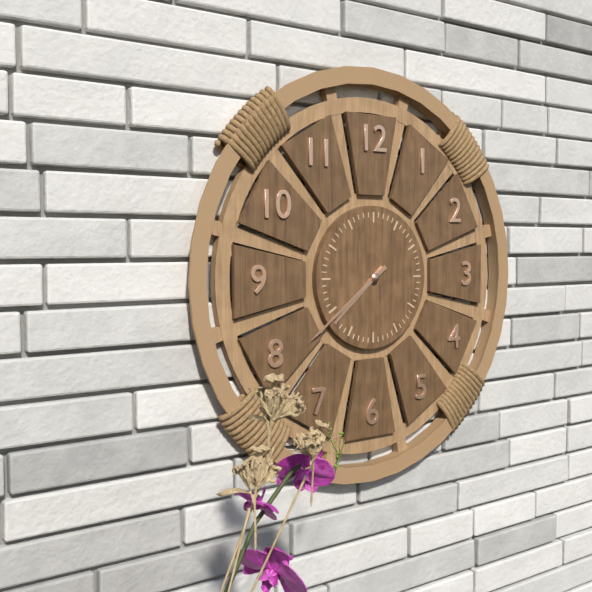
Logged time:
7,39
